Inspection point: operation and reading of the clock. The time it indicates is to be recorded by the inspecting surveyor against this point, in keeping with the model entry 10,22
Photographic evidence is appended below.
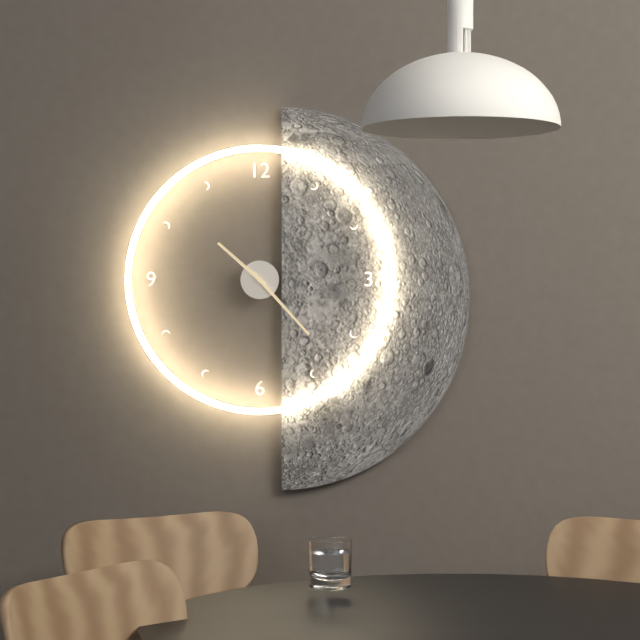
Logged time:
10,23
